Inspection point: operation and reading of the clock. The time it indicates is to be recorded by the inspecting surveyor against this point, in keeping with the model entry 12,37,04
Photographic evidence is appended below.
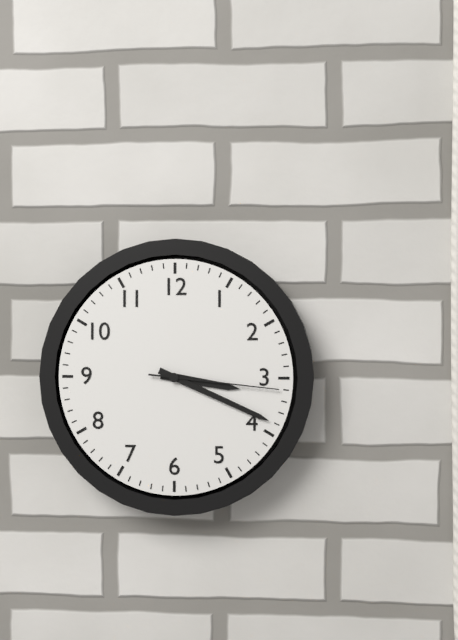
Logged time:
3,19,16
